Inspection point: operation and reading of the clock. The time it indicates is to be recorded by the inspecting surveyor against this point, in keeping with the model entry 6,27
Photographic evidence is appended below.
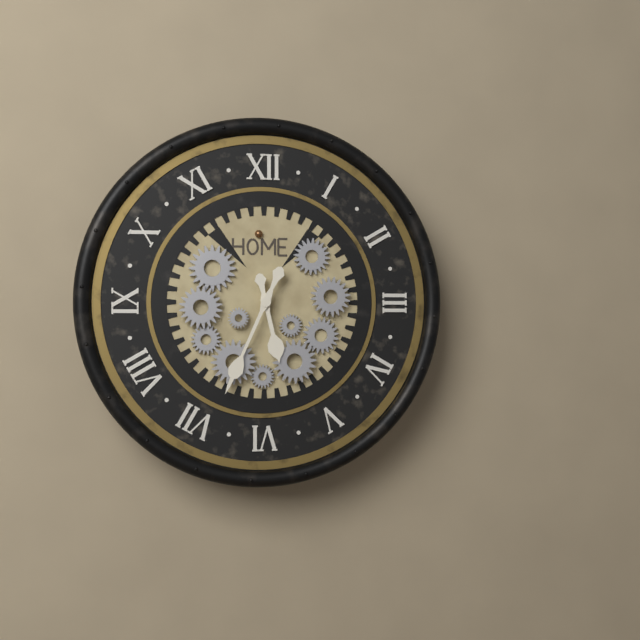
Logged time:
5,34
